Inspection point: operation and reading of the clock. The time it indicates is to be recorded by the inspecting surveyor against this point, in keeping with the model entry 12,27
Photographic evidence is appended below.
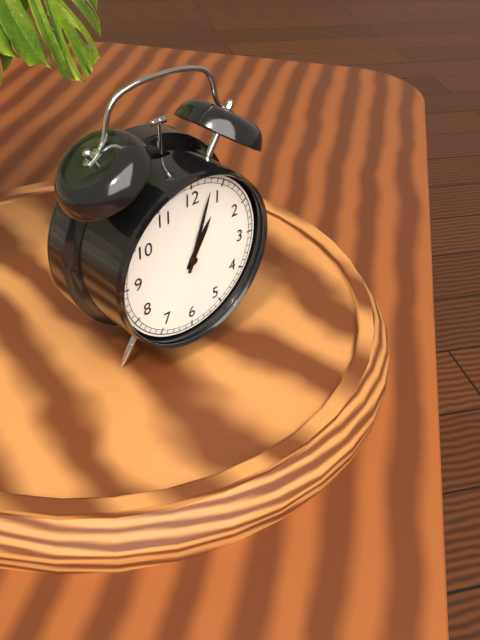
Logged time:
1,03
